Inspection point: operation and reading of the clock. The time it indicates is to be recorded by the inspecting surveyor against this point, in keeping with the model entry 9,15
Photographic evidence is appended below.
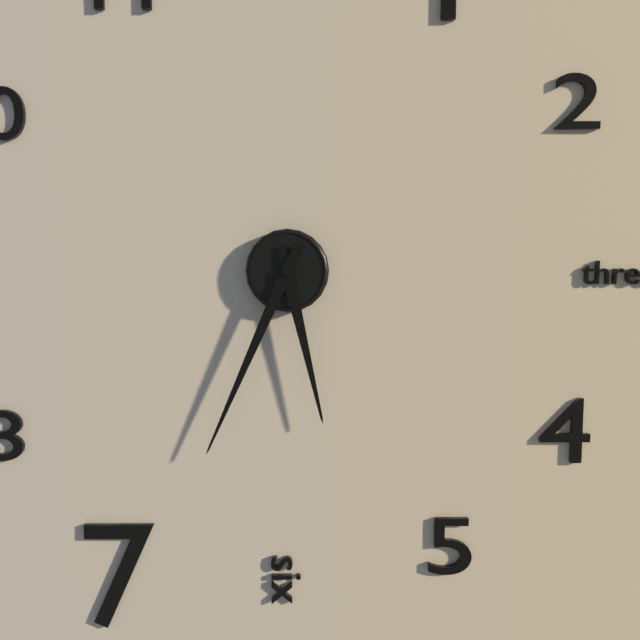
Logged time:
5,34
